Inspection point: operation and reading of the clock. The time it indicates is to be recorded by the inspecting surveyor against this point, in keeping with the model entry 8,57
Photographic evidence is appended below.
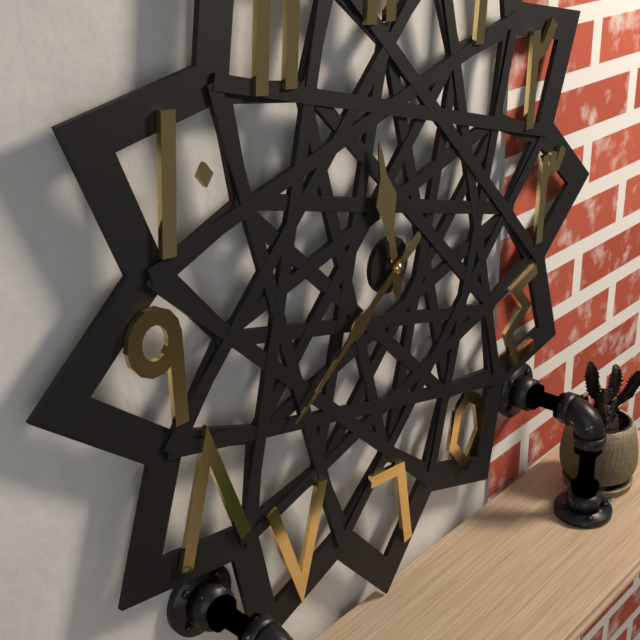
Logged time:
11,39
